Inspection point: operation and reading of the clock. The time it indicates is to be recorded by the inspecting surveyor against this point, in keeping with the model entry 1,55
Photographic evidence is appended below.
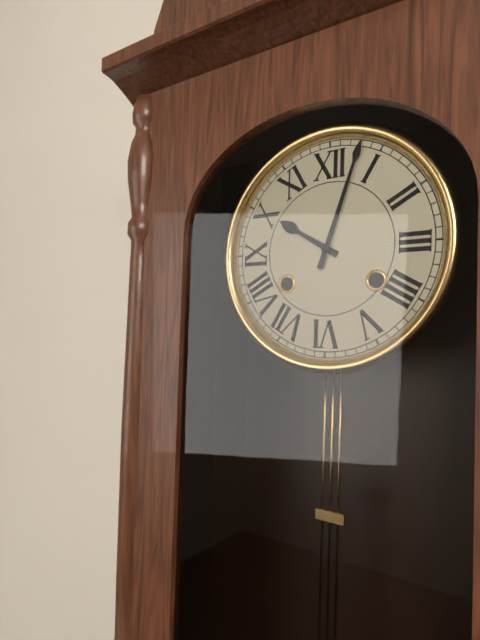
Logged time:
10,03
